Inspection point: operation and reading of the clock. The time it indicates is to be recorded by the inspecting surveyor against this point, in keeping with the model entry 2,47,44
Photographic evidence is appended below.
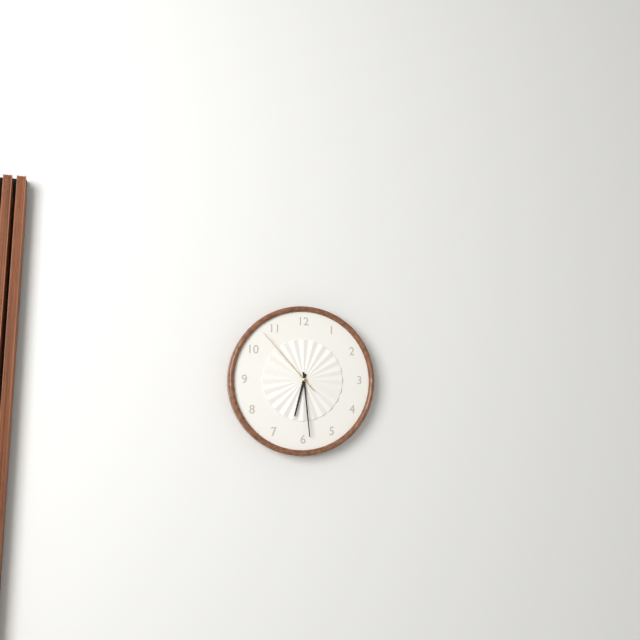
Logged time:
6,29,53
